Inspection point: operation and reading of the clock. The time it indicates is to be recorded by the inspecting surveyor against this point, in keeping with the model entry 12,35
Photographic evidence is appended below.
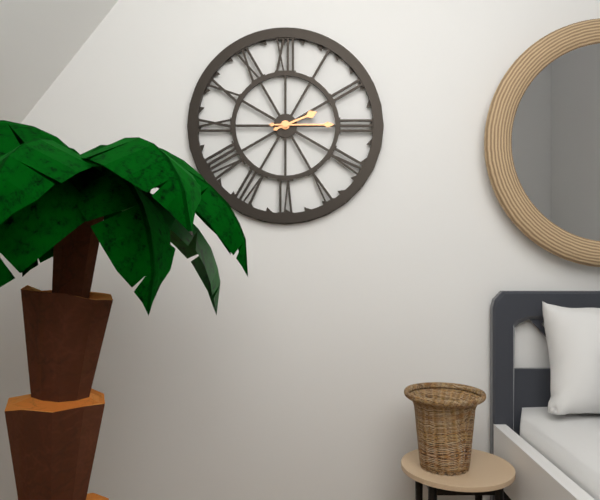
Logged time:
2,15
